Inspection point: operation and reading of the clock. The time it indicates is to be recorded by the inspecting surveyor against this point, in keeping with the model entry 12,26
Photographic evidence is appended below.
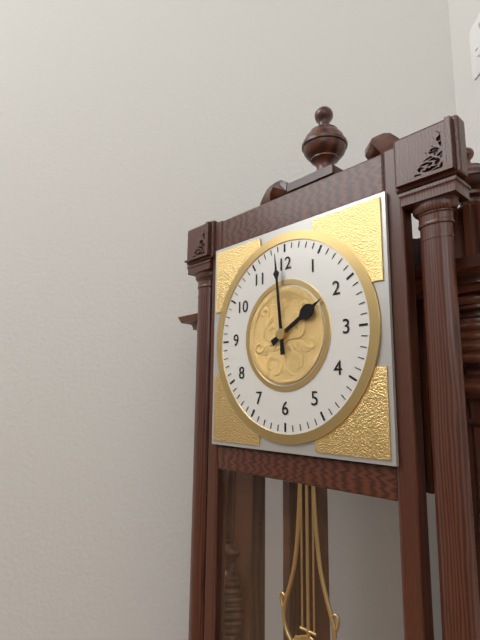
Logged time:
1,59
